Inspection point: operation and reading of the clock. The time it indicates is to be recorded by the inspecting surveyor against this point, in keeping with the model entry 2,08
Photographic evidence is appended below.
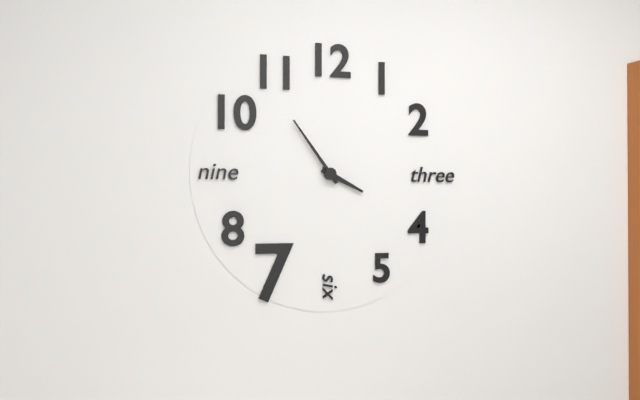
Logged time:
3,54
